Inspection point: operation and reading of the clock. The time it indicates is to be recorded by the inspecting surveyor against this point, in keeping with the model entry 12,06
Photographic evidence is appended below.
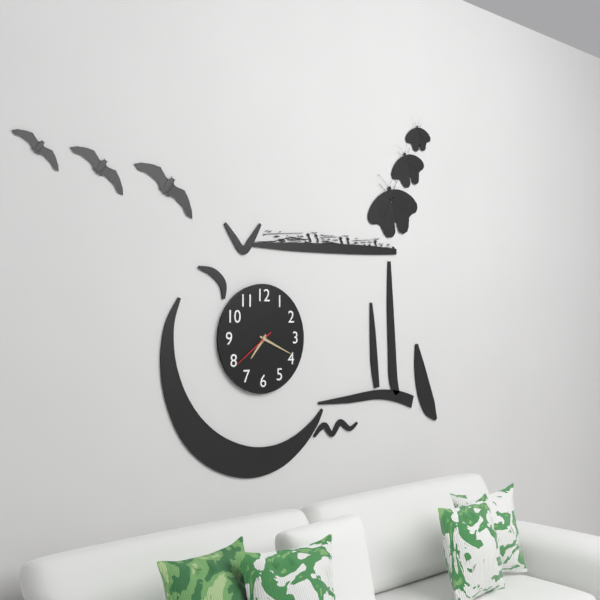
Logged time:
7,19
